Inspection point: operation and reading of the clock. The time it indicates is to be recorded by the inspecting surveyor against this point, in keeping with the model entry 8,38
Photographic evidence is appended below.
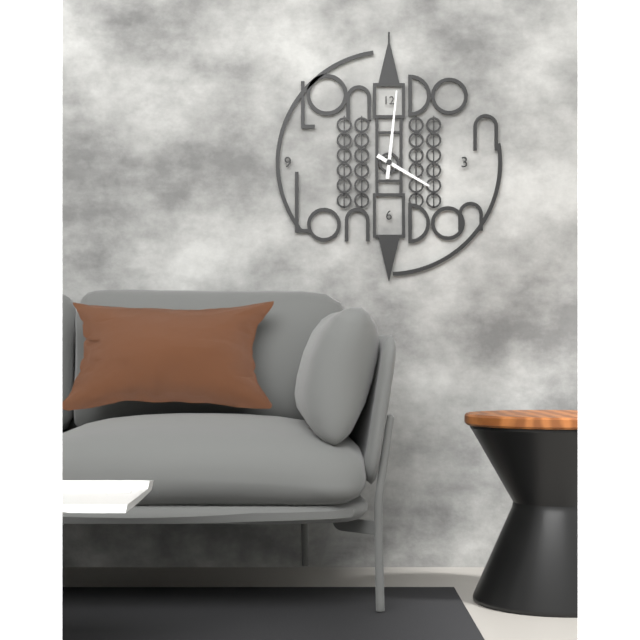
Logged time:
4,01
